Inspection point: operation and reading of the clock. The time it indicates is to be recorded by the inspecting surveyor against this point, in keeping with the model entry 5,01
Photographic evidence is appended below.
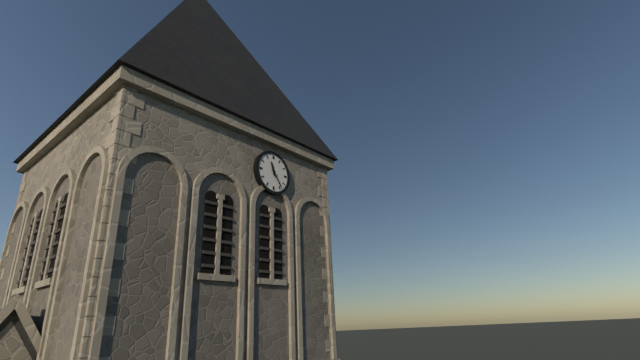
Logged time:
11,24
